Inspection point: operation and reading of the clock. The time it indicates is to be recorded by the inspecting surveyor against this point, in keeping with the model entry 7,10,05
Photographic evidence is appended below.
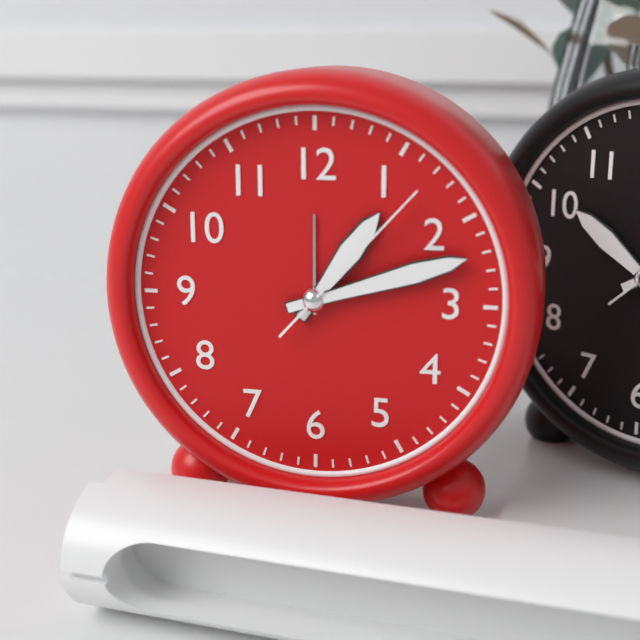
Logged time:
1,12,07
